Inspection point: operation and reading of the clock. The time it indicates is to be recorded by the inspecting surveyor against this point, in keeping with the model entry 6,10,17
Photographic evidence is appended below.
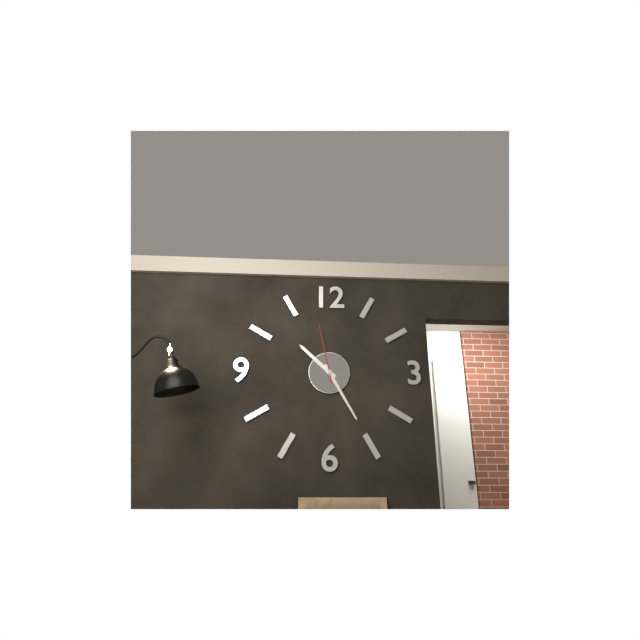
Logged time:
10,25,58
